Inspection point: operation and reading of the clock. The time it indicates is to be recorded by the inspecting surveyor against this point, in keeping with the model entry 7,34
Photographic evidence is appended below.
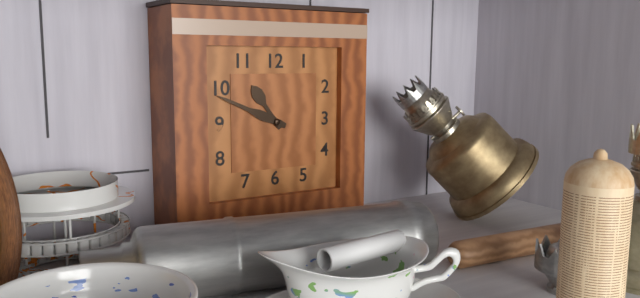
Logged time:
10,49
